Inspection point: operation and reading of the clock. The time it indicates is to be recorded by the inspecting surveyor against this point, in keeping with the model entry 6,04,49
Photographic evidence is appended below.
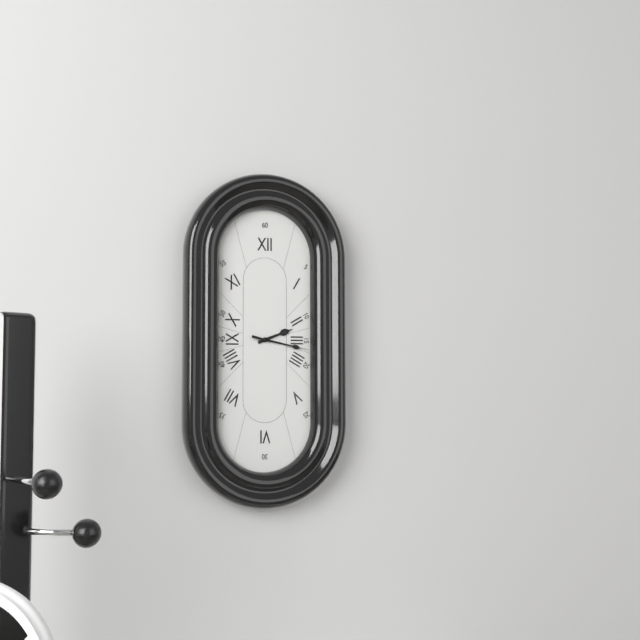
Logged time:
2,17,17
